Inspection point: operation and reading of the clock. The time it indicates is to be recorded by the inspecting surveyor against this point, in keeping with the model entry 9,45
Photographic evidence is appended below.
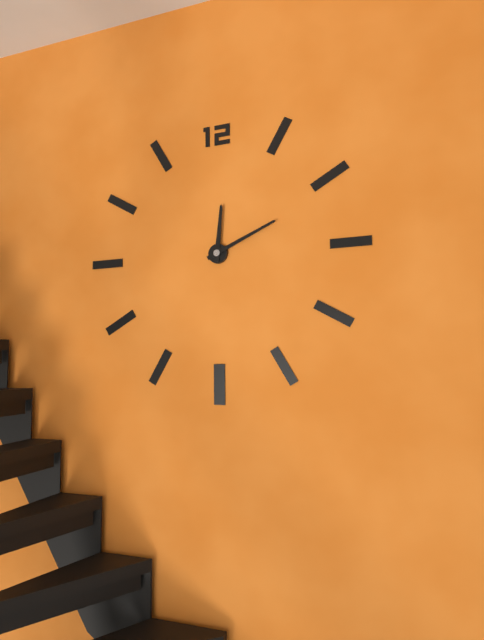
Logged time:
12,11
